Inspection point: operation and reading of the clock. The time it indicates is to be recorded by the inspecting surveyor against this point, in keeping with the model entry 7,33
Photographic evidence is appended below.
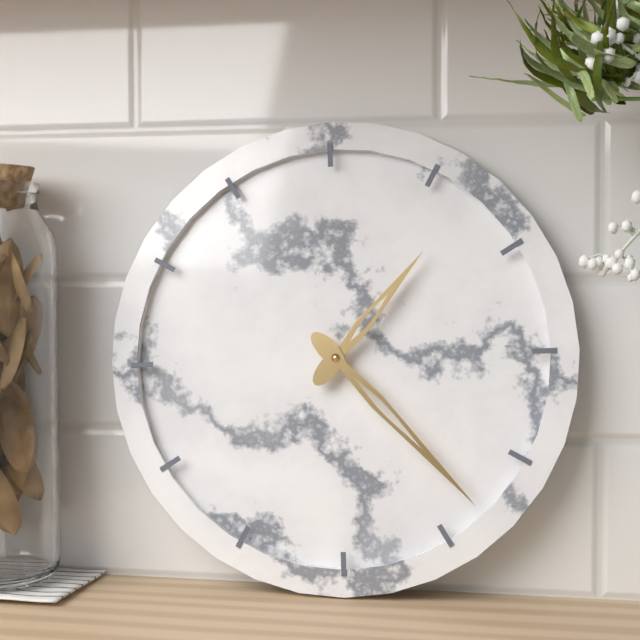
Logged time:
1,23
